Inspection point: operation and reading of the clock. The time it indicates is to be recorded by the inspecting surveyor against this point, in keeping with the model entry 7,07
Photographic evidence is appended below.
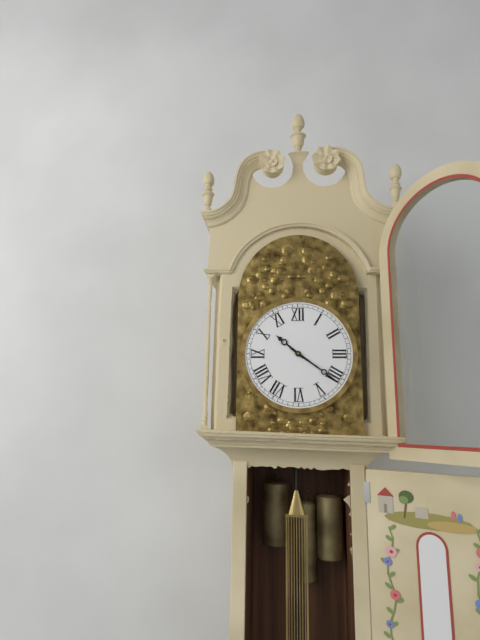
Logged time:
10,21
